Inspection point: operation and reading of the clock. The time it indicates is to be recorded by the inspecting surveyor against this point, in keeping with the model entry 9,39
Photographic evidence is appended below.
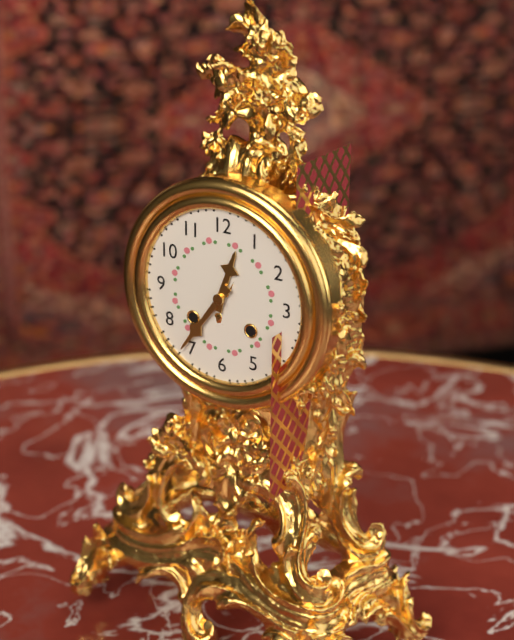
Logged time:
12,36
